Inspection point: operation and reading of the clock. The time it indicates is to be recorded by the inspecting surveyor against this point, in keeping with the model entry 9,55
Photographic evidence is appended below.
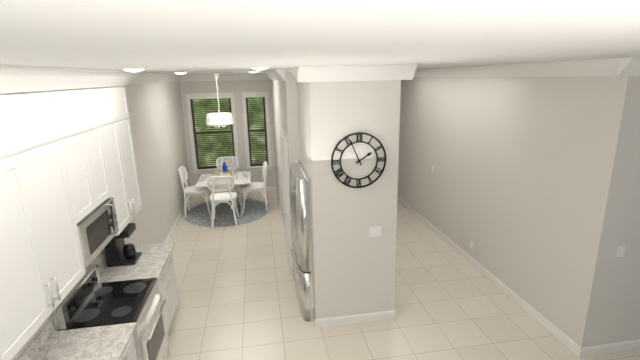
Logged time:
1,56
